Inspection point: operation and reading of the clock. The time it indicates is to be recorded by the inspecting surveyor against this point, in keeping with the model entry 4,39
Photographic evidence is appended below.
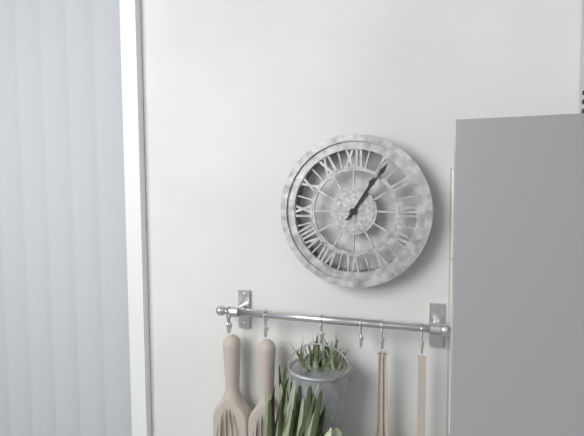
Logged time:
1,06
